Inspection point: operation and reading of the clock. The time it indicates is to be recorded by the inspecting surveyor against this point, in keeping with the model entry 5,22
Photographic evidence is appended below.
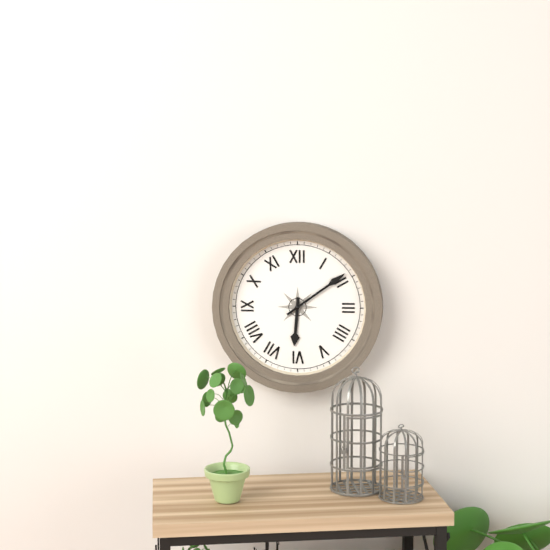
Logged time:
6,09
